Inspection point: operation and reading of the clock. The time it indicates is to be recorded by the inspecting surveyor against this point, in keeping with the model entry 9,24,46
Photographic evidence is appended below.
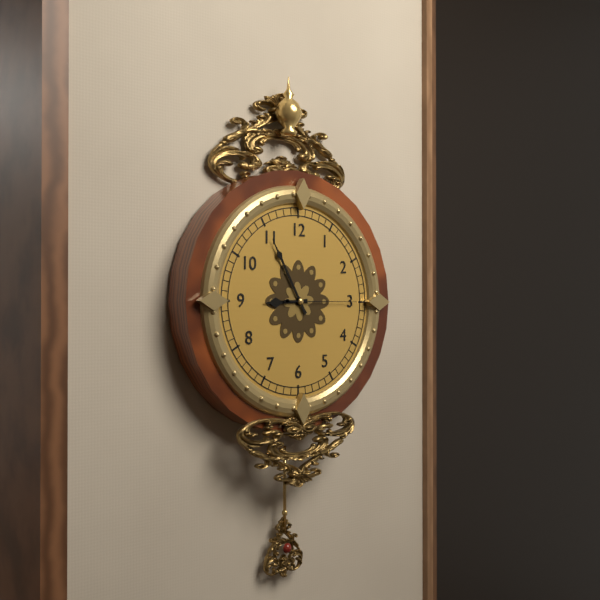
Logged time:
8,55,15
